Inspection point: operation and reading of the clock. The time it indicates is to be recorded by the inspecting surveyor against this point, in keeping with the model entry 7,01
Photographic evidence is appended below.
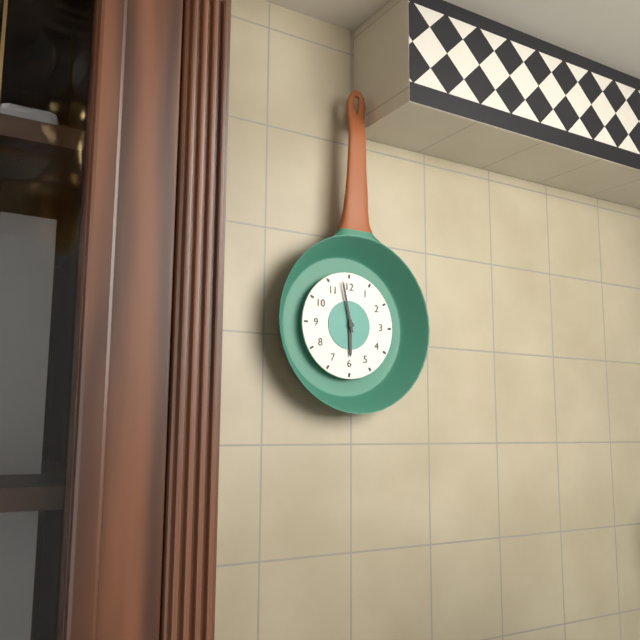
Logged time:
5,58
